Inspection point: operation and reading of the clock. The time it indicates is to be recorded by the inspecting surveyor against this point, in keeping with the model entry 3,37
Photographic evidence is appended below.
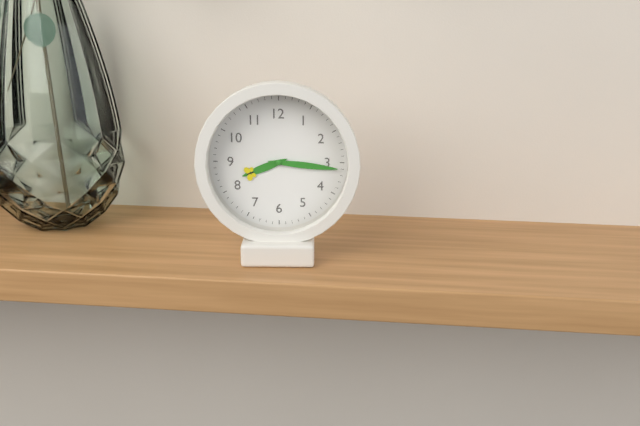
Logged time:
8,16
